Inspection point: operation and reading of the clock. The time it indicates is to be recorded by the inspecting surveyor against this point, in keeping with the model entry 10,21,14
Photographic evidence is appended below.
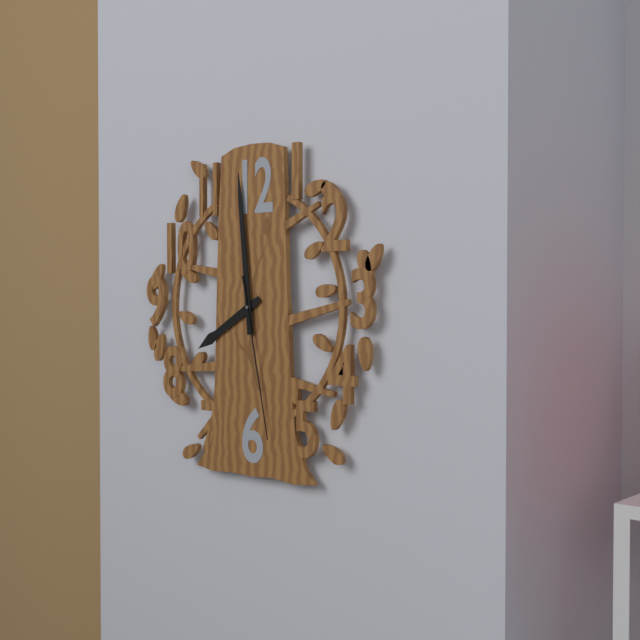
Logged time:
7,59,28
